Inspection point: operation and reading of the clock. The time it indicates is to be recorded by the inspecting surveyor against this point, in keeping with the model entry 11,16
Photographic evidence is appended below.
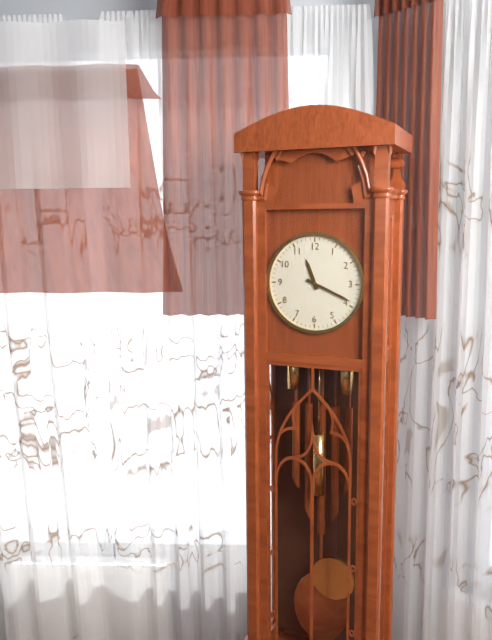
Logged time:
11,19
